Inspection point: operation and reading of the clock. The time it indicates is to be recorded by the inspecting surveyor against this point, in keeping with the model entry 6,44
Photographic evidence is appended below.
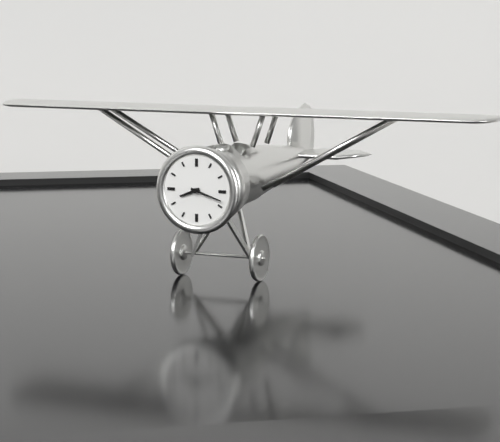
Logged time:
8,18
